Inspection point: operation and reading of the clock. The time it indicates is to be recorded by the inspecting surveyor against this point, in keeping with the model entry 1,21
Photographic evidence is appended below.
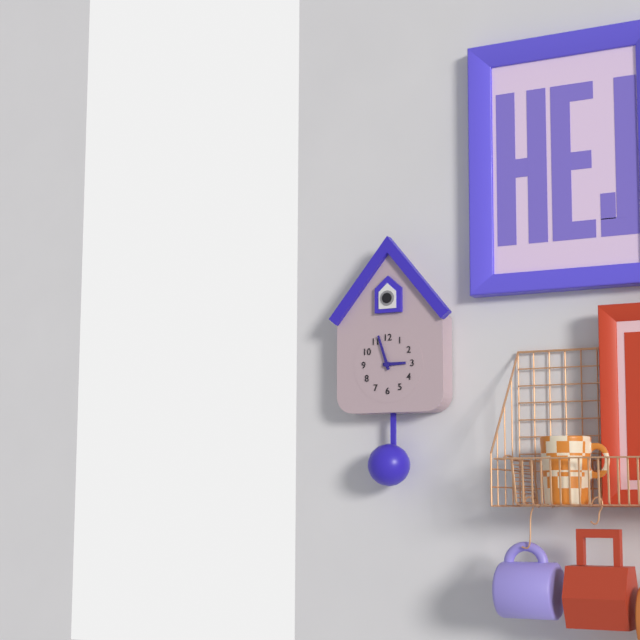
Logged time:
2,57
